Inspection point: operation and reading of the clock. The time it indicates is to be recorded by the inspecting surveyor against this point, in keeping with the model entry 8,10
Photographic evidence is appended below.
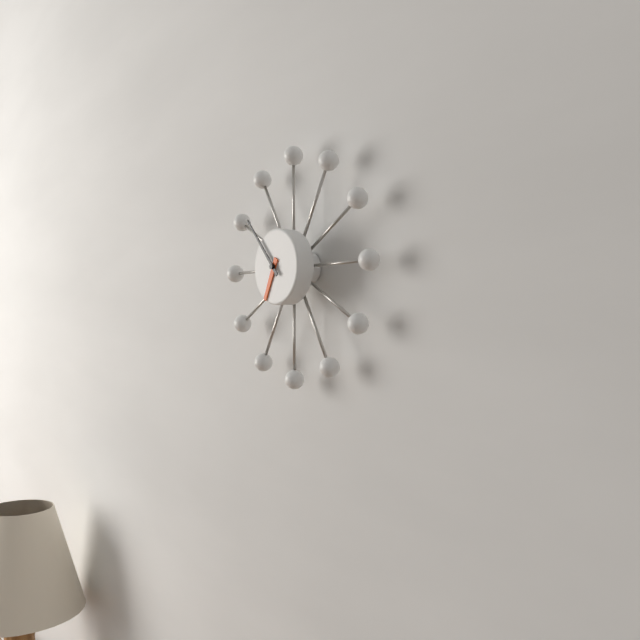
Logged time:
6,53
